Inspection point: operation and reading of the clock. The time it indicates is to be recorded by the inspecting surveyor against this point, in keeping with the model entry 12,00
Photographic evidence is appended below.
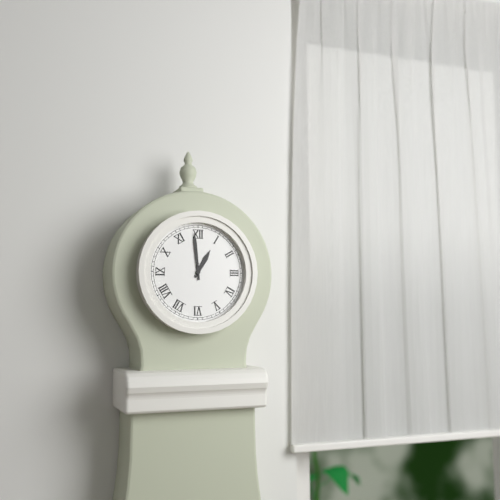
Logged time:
12,59
